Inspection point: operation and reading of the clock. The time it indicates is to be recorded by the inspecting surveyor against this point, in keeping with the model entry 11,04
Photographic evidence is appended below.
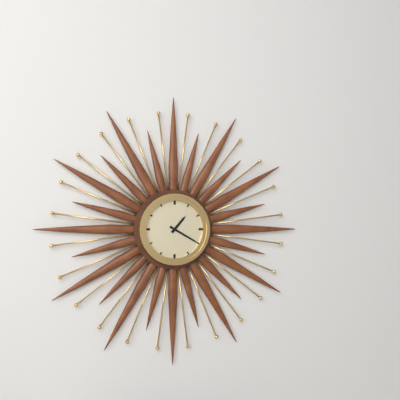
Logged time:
1,20
